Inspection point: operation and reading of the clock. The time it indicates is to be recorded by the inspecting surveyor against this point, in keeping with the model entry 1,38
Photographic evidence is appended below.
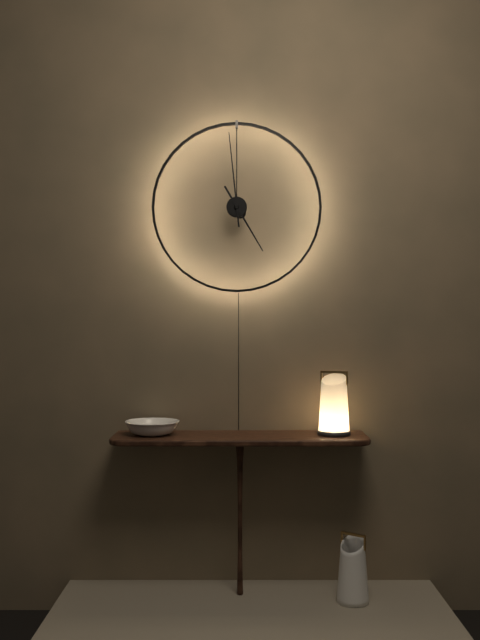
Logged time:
4,59
